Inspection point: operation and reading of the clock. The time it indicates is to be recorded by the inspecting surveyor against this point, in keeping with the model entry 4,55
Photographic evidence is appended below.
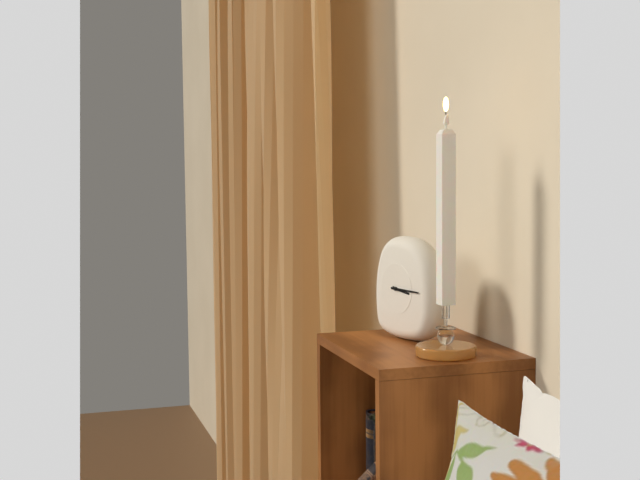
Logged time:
3,15
